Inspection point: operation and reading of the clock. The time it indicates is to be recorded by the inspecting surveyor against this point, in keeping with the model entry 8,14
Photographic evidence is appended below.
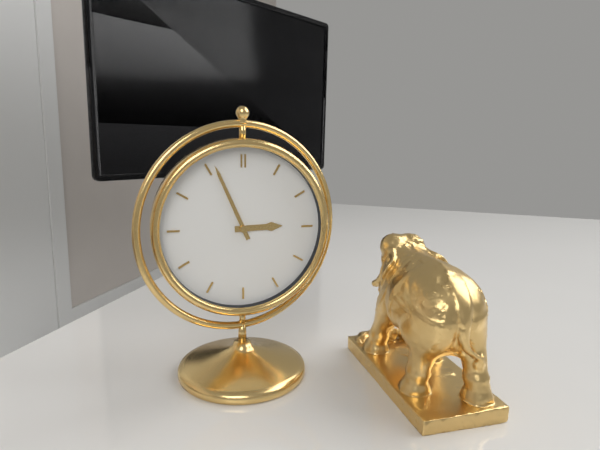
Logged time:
2,56
